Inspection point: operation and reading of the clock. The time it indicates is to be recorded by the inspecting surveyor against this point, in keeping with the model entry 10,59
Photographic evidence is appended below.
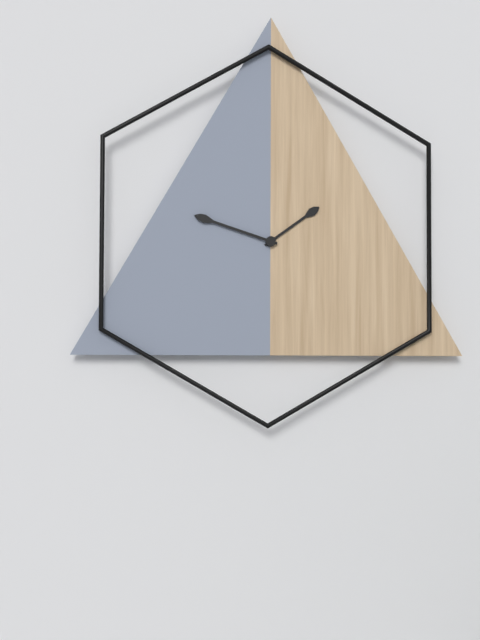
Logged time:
1,48
